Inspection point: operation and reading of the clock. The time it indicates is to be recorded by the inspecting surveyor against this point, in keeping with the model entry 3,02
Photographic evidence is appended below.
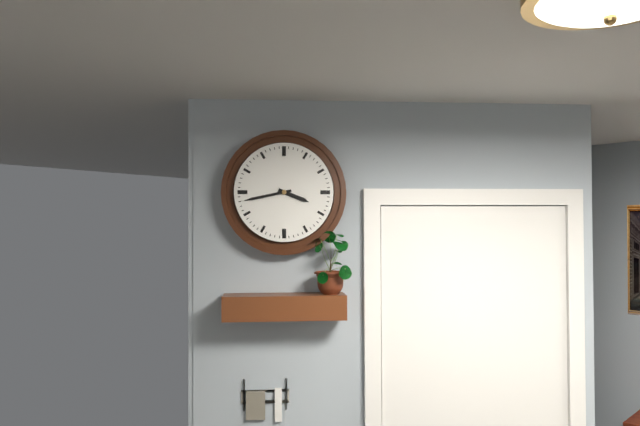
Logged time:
3,43
